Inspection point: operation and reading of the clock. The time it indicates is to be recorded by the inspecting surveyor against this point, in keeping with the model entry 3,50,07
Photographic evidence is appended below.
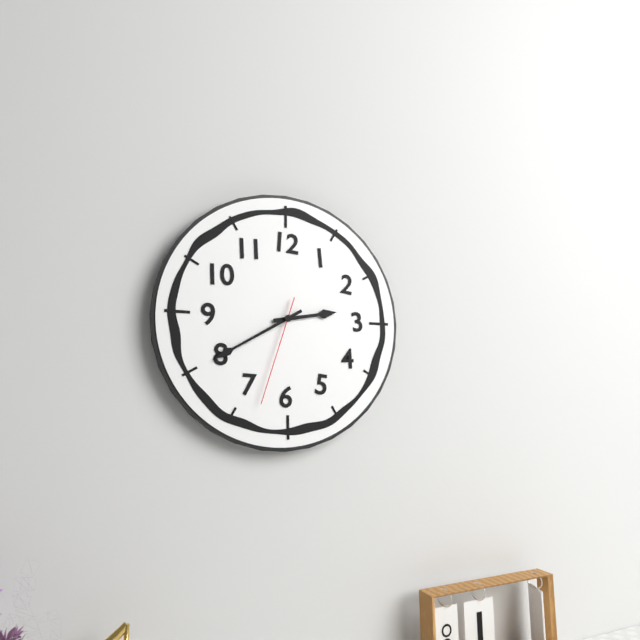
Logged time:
2,40,33
